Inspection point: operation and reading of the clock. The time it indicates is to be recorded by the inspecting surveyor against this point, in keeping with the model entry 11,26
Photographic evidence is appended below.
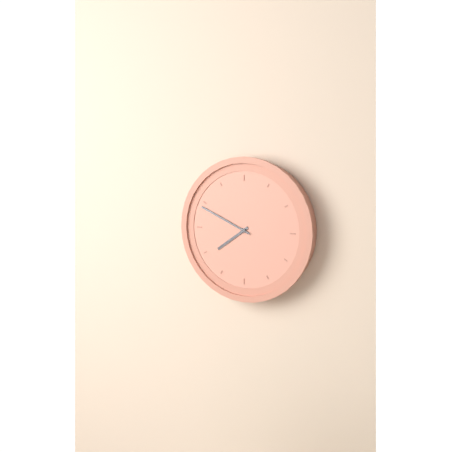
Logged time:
7,49
